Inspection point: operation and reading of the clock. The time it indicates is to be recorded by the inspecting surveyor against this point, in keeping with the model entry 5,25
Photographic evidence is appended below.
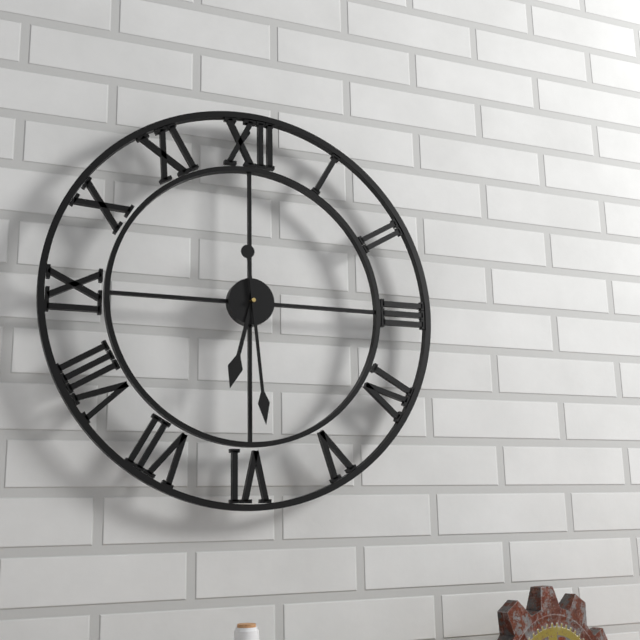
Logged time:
6,29
